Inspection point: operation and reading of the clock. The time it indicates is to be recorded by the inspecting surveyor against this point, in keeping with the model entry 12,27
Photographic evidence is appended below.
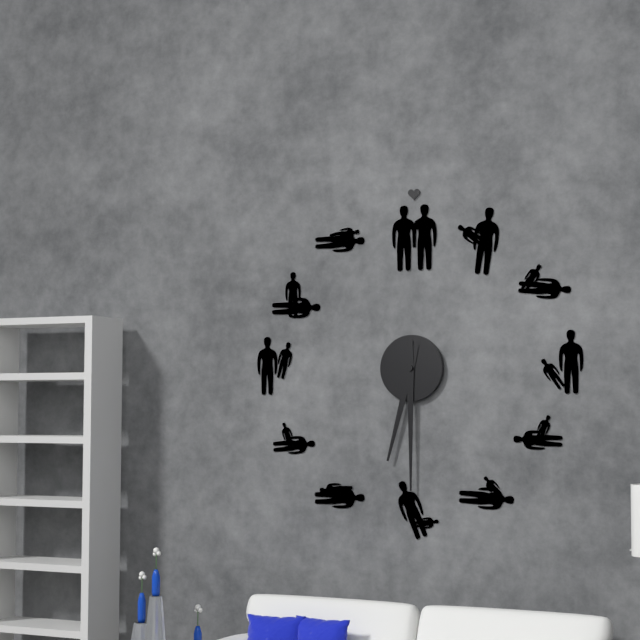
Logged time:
6,30
